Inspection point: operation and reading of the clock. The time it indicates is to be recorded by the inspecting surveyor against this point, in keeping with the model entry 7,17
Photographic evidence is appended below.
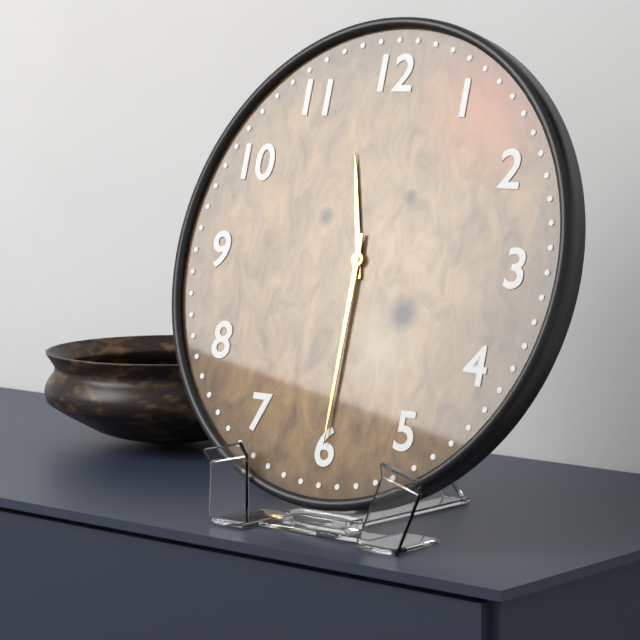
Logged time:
11,30
